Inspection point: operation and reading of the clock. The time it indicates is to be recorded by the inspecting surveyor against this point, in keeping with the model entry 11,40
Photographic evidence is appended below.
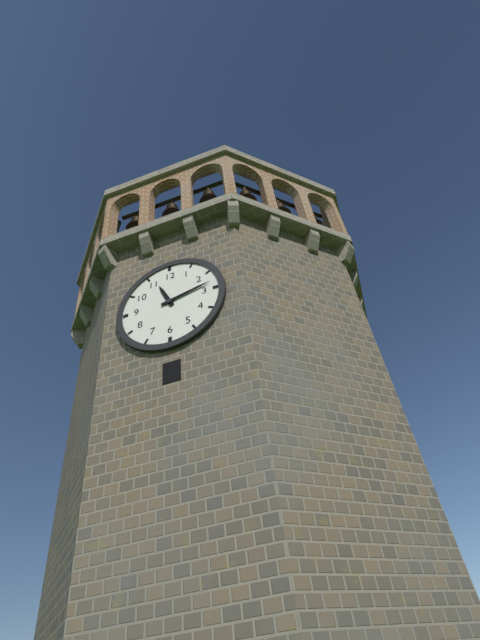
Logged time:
11,13
